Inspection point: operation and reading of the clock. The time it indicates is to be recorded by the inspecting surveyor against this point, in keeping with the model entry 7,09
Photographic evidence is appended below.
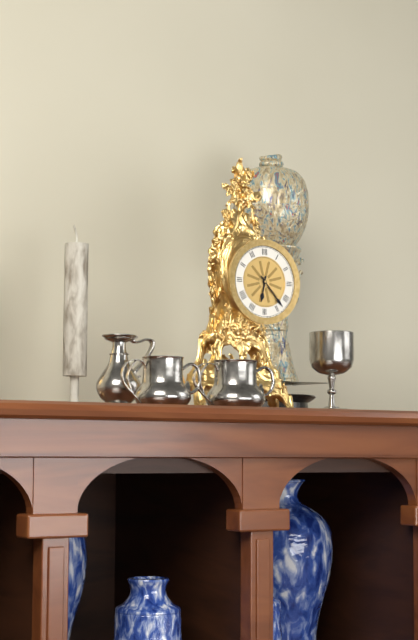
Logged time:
6,23
